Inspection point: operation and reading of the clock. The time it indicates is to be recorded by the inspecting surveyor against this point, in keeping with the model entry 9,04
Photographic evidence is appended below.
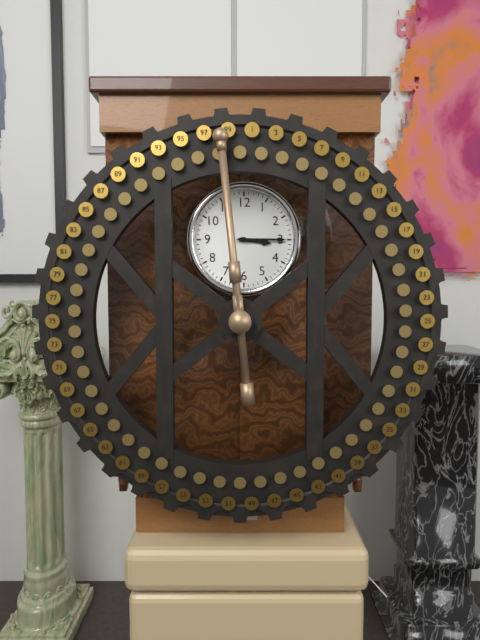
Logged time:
3,15
